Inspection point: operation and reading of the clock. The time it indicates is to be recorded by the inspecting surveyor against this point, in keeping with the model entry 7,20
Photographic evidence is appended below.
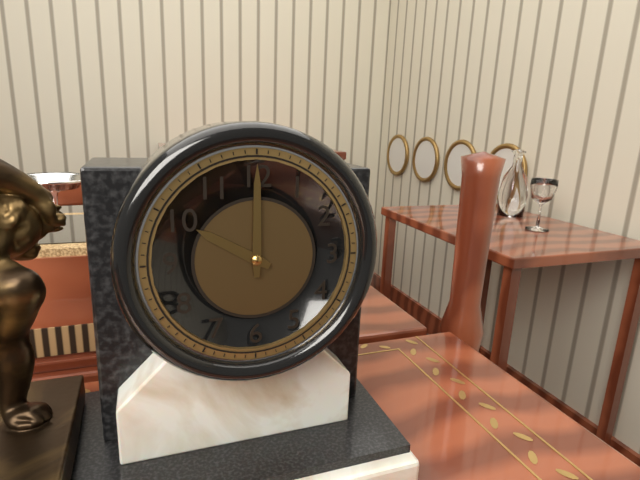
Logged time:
10,00
